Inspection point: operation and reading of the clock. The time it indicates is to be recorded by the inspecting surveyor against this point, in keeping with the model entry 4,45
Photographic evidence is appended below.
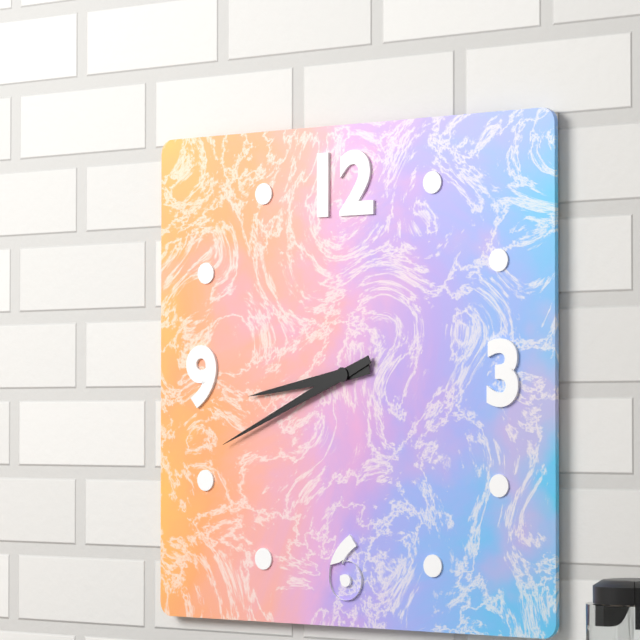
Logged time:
8,41
